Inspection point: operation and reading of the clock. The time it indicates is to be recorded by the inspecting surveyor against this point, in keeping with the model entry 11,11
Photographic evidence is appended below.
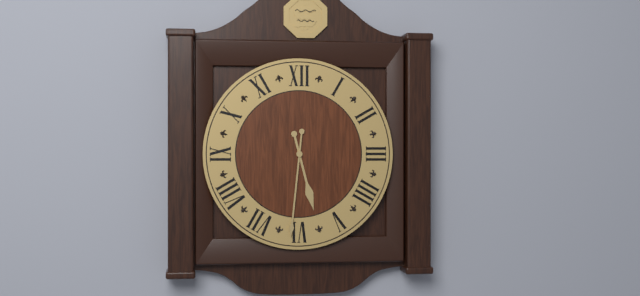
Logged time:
5,31
